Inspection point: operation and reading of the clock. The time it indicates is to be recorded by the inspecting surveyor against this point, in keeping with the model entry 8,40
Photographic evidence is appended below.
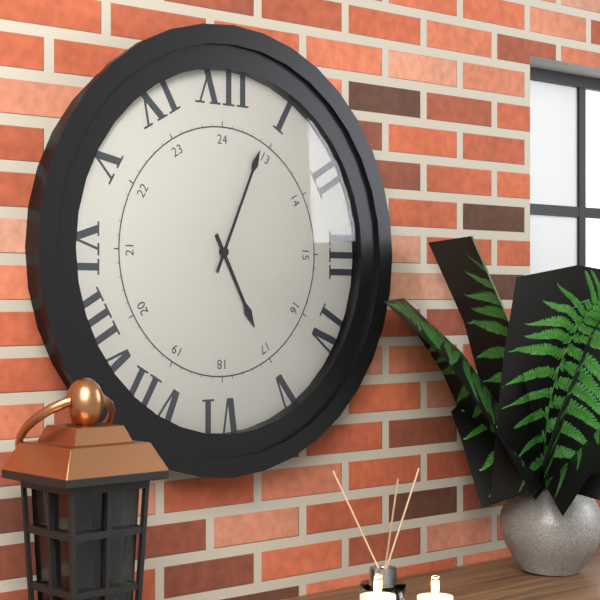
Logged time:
5,04
